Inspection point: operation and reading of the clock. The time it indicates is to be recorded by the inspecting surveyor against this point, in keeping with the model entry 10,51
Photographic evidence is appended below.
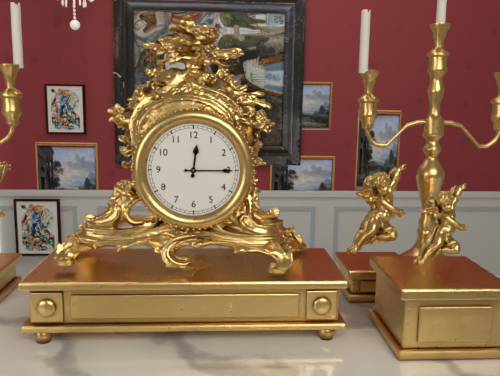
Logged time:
12,15
